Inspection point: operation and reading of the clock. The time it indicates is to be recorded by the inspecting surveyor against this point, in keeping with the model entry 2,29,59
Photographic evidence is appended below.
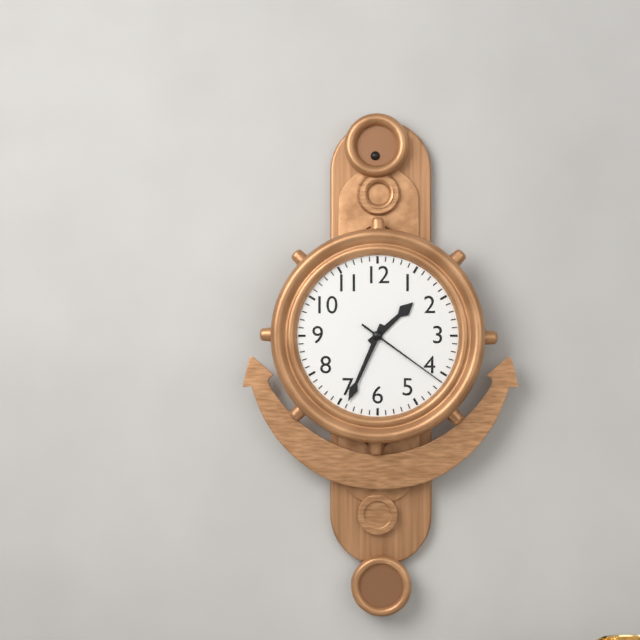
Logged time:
1,34,21
